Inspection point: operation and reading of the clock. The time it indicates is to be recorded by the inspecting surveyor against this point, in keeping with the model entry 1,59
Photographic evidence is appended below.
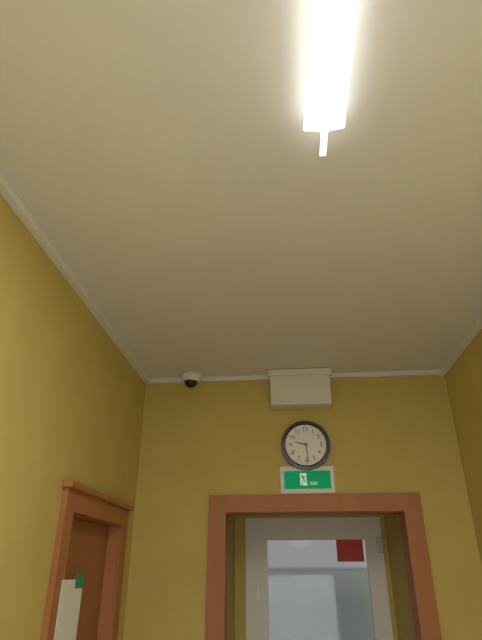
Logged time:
9,29
